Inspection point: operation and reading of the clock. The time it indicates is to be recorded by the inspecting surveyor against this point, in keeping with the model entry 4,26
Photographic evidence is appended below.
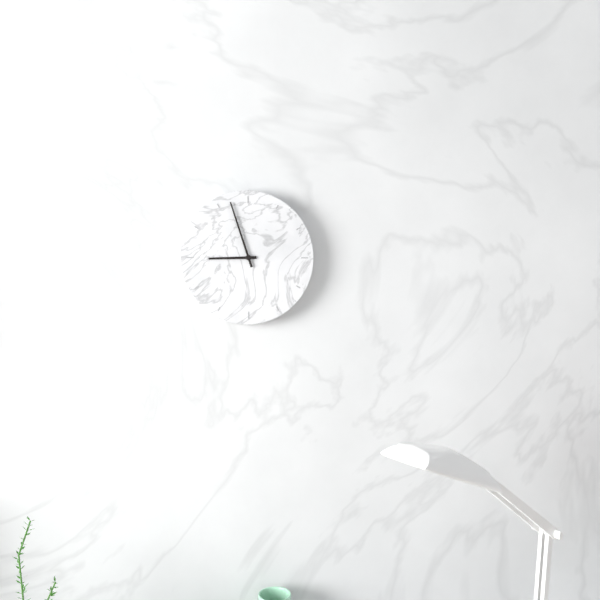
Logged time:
8,57
